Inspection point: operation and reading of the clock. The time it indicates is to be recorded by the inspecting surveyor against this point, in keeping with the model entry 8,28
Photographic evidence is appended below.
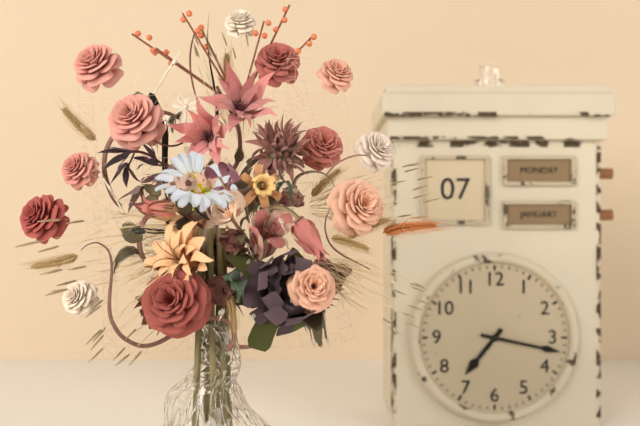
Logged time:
7,17
